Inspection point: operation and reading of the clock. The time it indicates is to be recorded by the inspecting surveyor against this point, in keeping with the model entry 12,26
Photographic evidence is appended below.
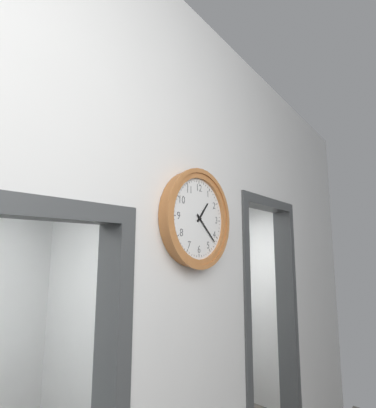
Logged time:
1,22
